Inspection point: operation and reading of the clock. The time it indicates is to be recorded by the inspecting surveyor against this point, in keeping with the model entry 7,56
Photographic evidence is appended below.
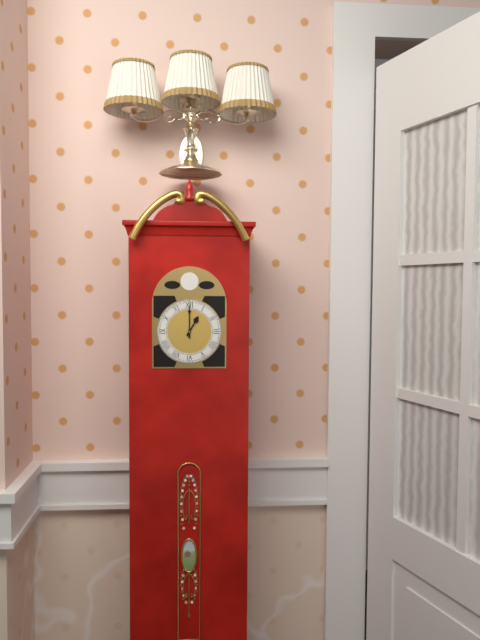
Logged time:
1,00
